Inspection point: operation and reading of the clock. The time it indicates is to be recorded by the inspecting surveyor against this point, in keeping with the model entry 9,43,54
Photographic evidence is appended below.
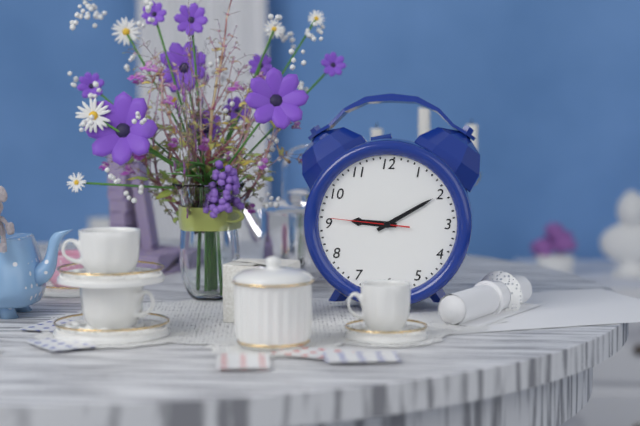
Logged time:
9,10,46
